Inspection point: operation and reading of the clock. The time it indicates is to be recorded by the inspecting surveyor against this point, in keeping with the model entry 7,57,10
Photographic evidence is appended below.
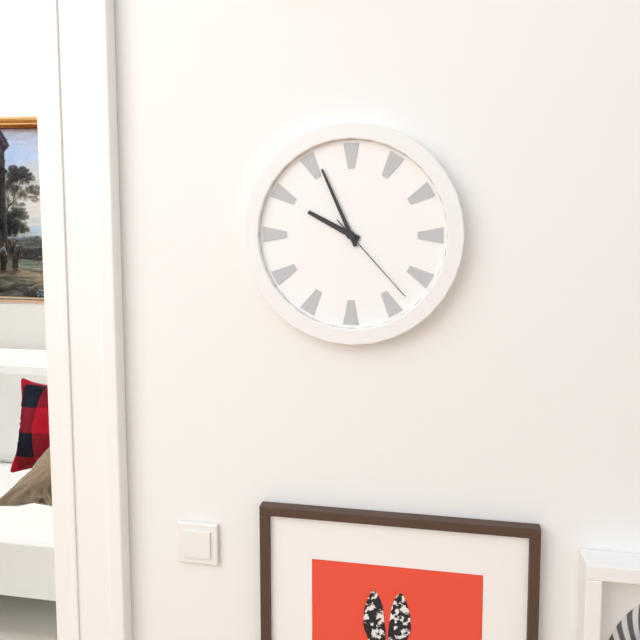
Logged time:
9,56,23
